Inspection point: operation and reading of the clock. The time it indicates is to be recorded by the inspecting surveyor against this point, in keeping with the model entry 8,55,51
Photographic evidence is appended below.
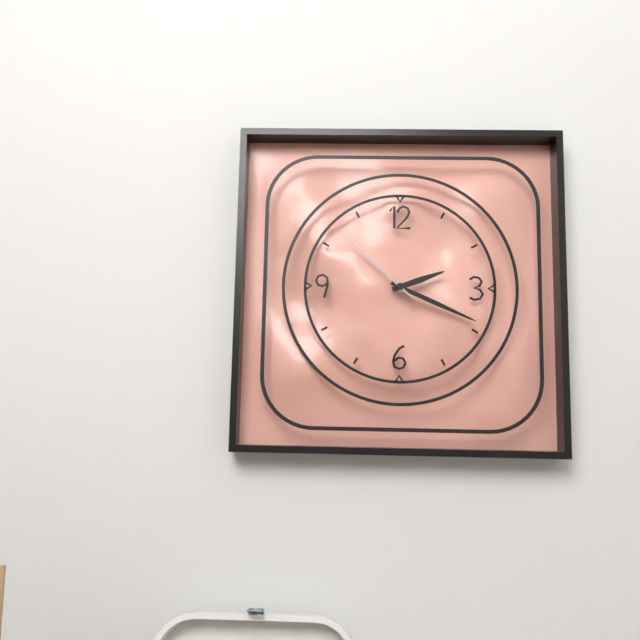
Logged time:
2,19,52
